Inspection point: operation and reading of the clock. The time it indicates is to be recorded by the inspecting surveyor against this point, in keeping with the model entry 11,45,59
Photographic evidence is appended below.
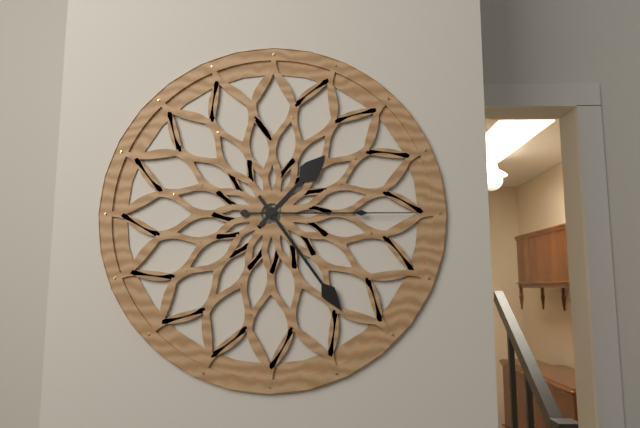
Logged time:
1,24,15
